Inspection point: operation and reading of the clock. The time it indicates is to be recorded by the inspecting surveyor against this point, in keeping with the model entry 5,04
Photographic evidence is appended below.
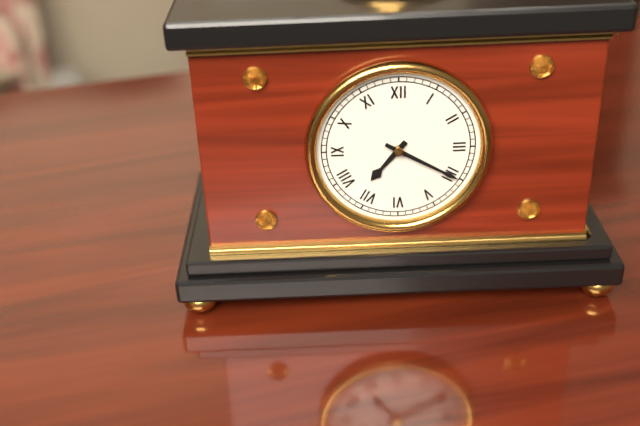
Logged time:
7,20
